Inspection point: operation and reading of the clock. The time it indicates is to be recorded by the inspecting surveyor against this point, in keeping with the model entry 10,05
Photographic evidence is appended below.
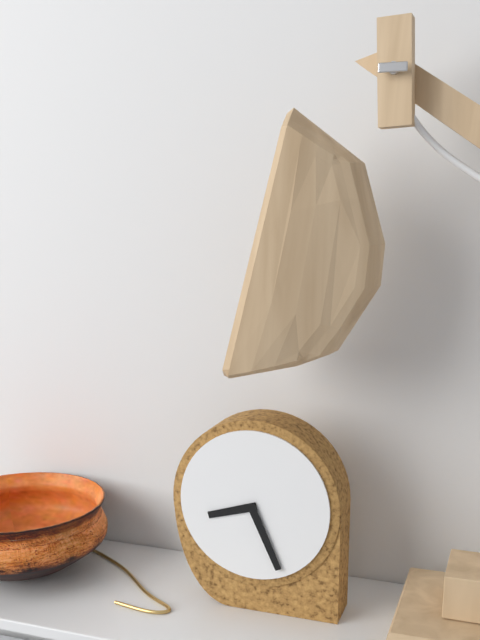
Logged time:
8,26
